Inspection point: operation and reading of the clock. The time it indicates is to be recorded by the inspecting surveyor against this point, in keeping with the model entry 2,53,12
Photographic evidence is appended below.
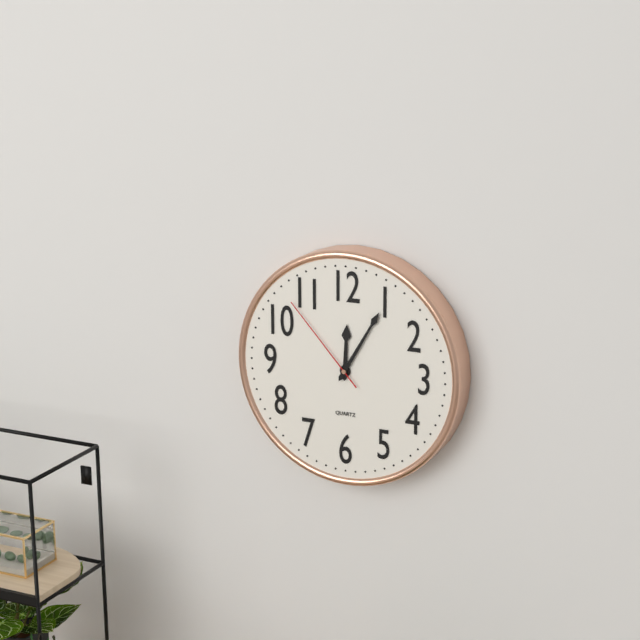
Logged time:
12,05,53
